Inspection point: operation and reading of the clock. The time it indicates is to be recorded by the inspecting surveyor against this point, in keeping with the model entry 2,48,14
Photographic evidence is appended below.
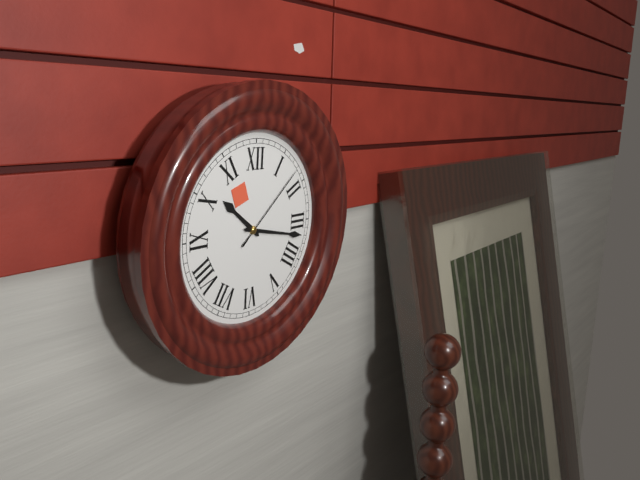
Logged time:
10,17,08
